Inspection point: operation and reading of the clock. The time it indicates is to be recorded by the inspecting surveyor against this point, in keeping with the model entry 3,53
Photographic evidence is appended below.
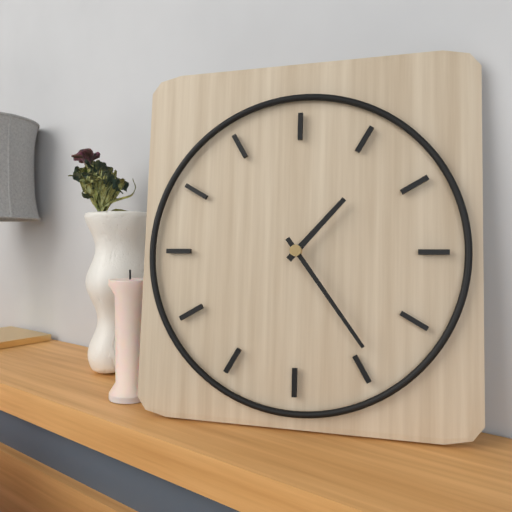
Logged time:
1,24
